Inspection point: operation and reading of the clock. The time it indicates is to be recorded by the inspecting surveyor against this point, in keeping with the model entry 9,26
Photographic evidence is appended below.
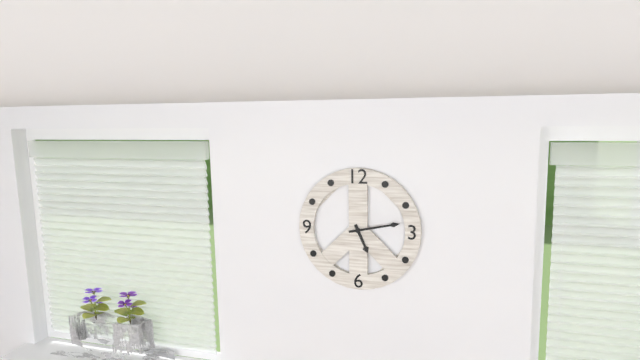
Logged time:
5,13
